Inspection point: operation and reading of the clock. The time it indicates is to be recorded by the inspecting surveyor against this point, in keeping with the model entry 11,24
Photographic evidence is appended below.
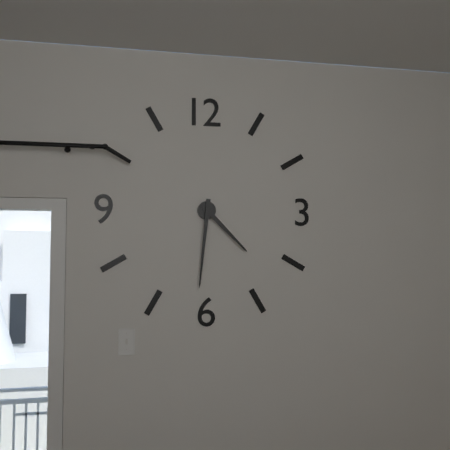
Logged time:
4,31
